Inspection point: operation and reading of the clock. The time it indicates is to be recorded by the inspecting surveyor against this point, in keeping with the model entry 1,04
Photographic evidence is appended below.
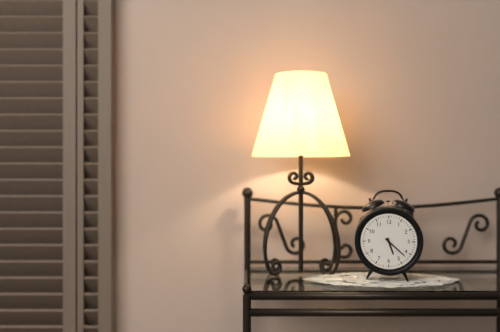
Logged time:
5,22
